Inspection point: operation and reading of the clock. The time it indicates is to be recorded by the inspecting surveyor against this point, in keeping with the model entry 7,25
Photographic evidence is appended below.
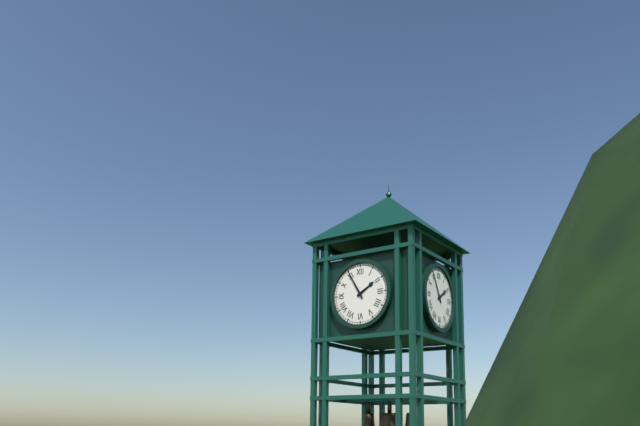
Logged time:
1,55
